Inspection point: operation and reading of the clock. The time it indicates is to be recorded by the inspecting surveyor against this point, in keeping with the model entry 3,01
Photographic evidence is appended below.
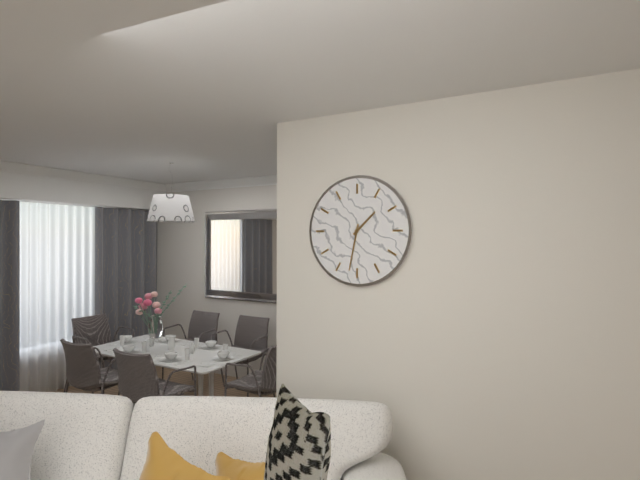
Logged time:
1,32
